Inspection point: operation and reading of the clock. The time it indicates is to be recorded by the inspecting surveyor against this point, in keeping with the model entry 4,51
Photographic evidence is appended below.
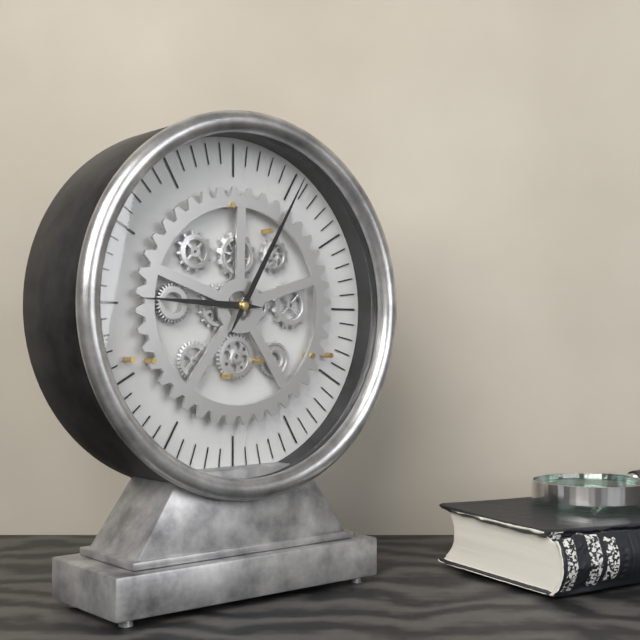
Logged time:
9,05
